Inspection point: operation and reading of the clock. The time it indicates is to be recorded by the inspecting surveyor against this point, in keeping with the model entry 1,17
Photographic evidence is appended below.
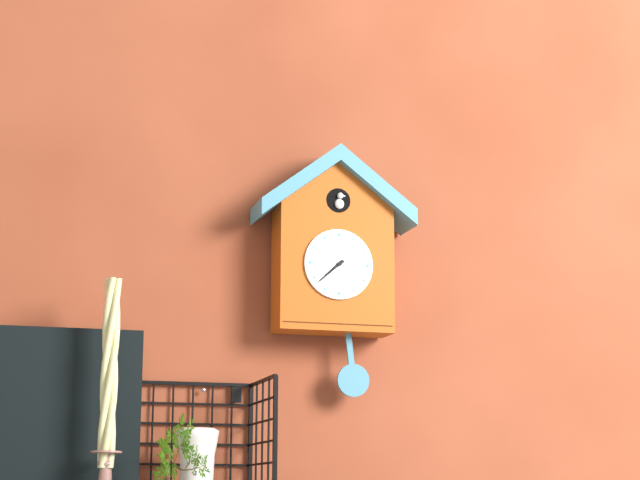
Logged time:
7,38
